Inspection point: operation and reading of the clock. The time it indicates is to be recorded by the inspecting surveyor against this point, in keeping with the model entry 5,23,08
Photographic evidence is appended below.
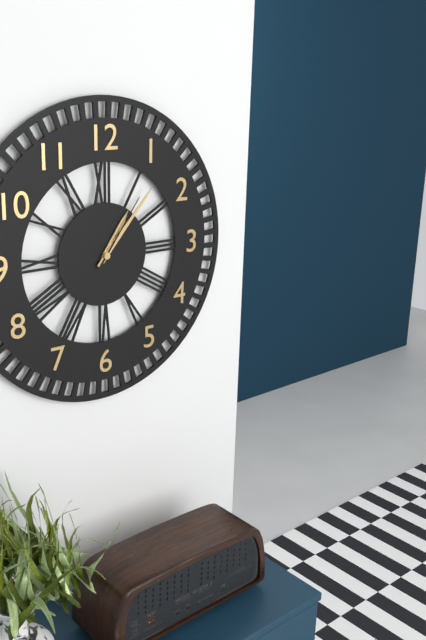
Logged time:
1,07,06
